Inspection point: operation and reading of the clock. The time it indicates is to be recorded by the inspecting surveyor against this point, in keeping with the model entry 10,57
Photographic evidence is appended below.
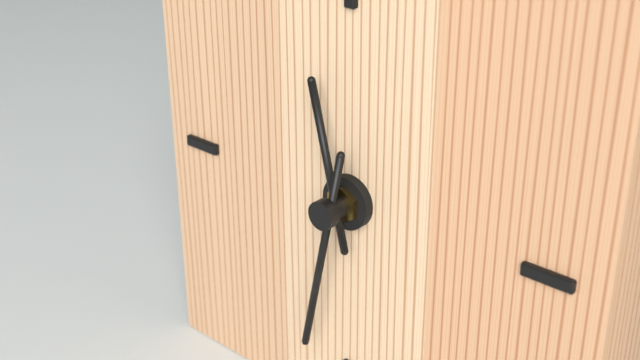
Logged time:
11,32
